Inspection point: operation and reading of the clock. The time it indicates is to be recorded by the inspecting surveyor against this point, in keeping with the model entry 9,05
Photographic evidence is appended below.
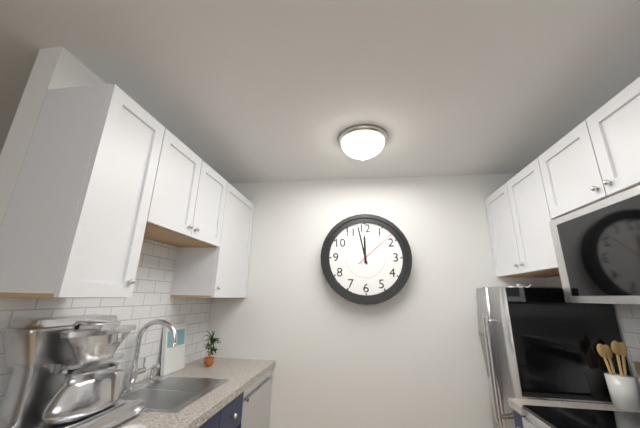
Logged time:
11,58
